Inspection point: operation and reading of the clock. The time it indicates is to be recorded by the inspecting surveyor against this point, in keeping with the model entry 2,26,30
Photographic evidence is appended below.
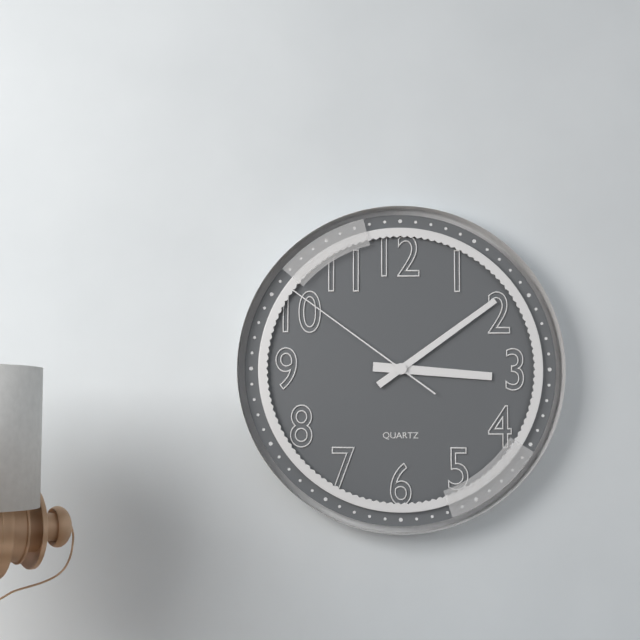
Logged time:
3,09,51
